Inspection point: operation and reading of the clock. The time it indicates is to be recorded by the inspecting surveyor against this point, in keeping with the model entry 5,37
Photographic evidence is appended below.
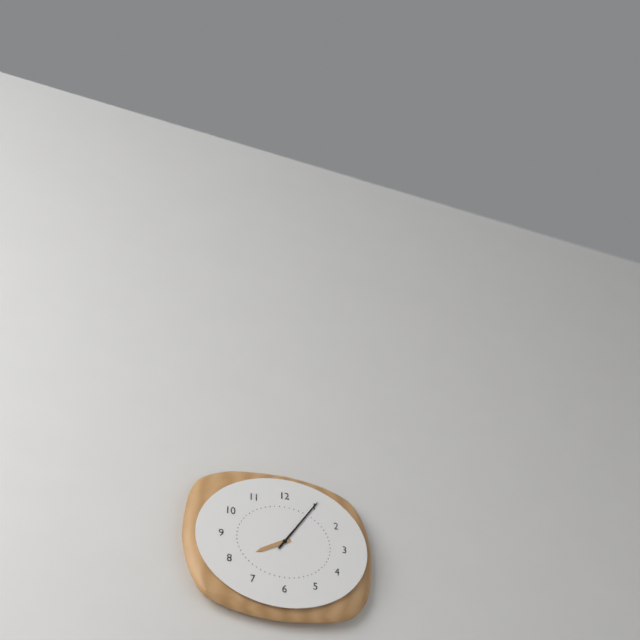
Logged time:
8,06
